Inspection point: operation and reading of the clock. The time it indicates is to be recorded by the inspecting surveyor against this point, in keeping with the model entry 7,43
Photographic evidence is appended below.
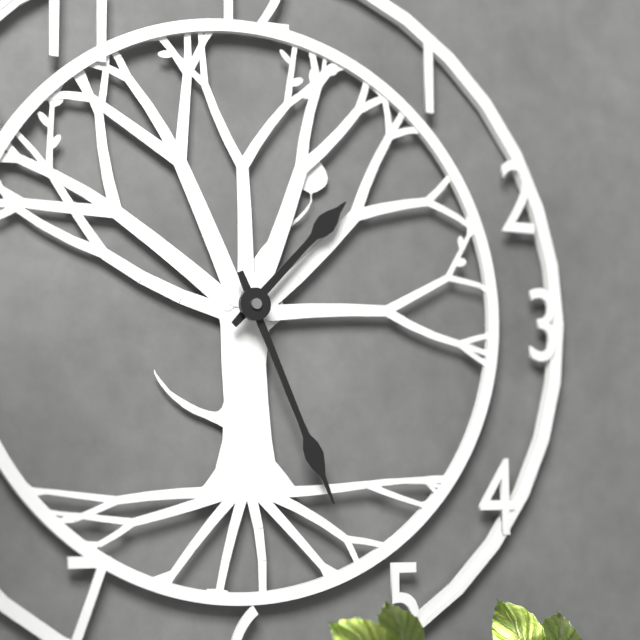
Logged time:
1,26
